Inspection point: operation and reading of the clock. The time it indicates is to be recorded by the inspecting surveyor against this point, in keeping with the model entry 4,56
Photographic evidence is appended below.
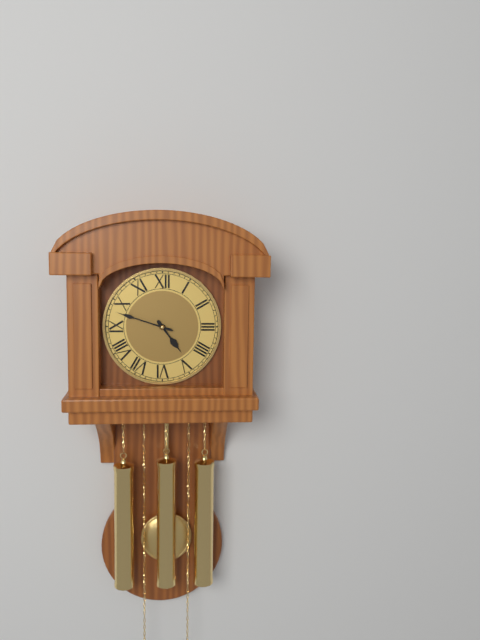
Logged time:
4,48
